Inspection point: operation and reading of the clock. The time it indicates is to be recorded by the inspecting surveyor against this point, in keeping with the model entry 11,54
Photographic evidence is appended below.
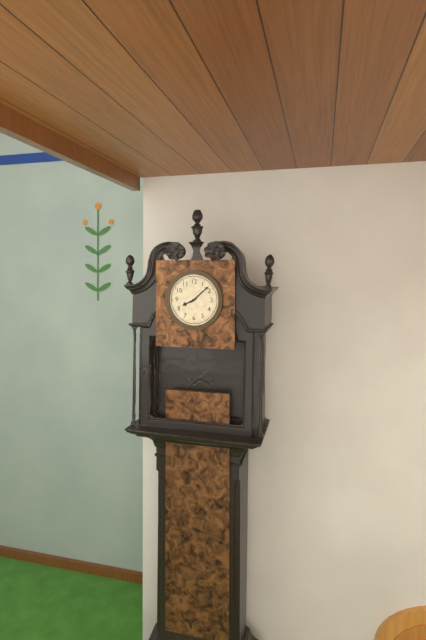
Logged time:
8,08
